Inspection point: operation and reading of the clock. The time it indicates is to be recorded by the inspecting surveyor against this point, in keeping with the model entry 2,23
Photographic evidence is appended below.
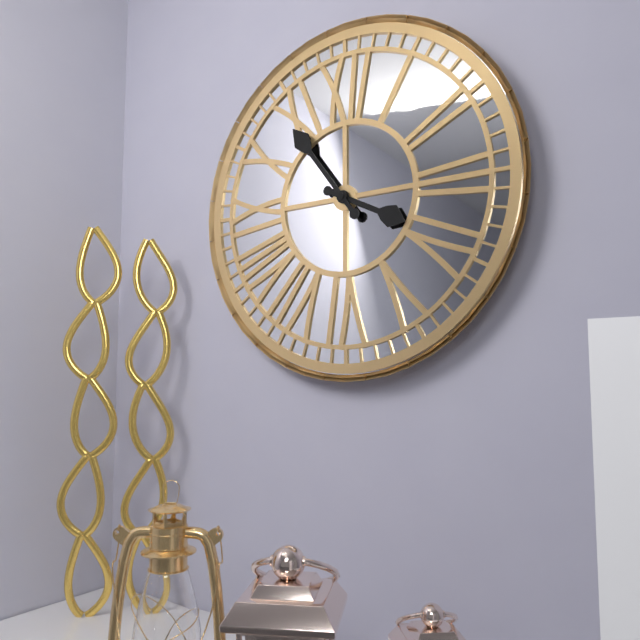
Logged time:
3,54
